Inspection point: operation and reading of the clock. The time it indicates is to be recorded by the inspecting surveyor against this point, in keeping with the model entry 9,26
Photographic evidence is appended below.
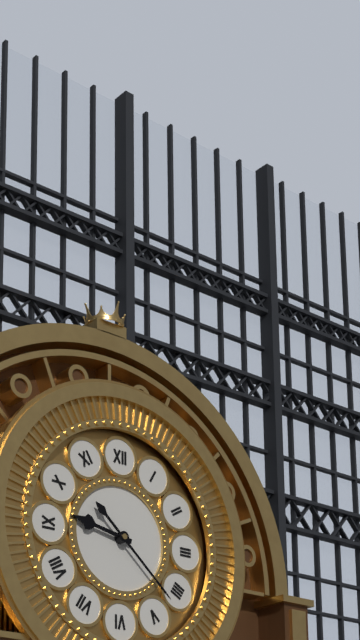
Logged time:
9,22
